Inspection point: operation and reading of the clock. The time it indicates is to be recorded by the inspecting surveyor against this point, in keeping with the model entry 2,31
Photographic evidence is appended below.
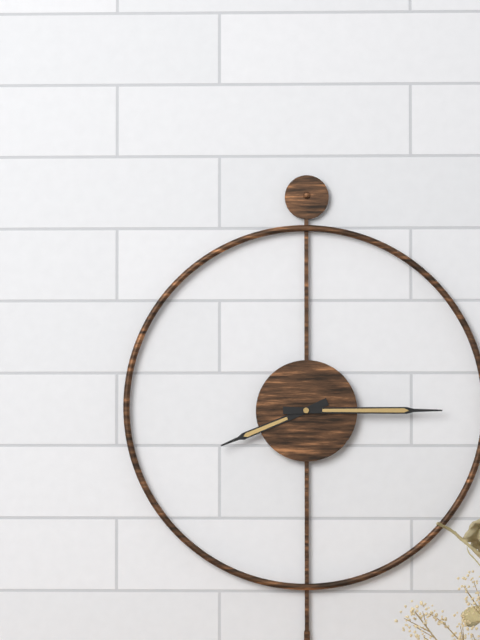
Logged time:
8,15
